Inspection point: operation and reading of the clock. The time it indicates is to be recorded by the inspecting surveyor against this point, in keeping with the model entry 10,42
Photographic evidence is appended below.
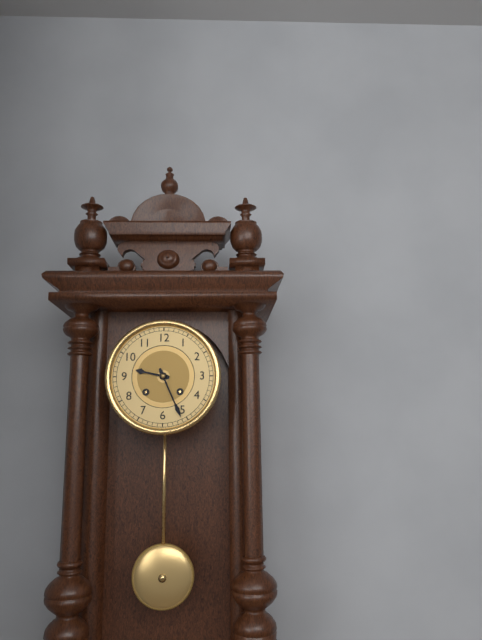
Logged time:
9,26
